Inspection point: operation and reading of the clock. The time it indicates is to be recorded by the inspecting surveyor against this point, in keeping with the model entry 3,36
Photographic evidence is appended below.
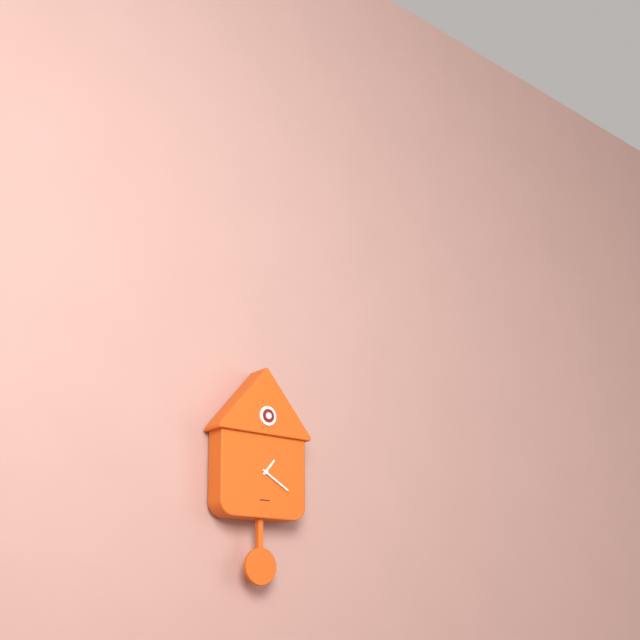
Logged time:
1,20
